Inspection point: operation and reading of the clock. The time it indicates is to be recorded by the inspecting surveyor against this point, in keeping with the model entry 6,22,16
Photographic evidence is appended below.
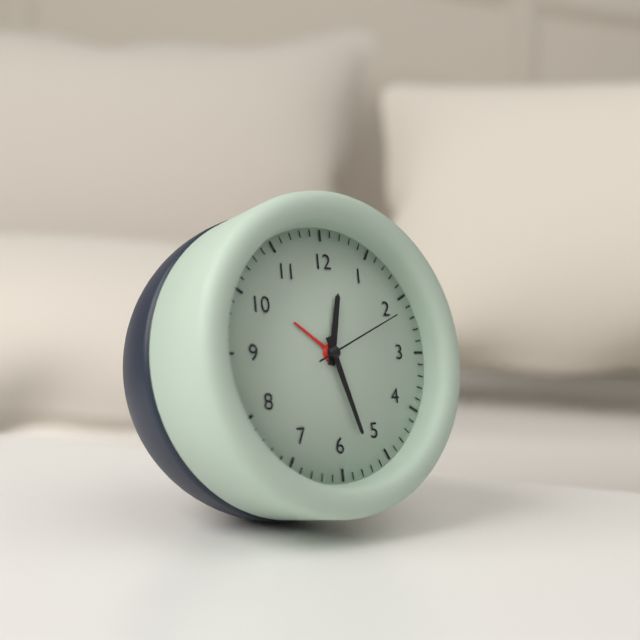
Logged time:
12,27,11
